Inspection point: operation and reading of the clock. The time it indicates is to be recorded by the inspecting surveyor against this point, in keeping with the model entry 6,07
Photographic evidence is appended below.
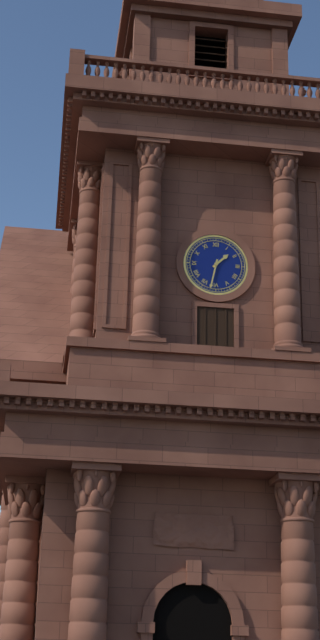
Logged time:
1,32
